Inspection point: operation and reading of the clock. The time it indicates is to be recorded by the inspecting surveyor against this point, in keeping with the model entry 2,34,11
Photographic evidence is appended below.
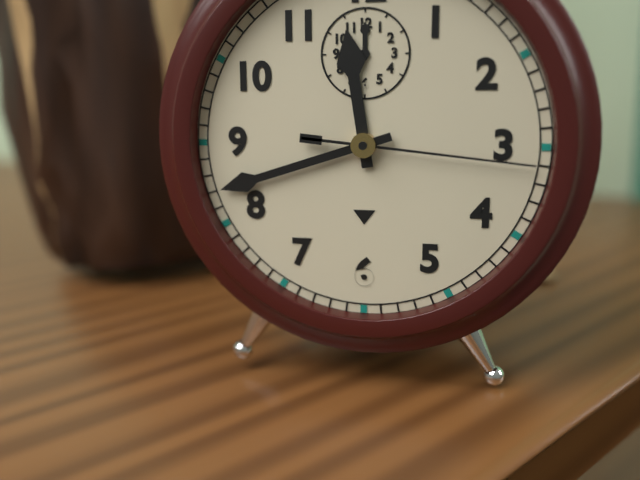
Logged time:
11,42,16
